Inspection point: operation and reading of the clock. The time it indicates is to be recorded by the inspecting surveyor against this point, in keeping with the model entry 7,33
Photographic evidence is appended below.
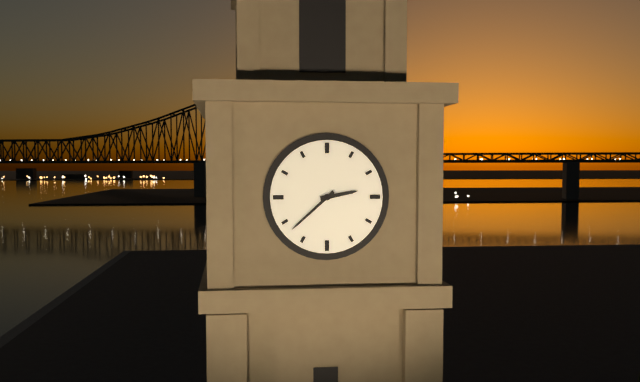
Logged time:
2,38
